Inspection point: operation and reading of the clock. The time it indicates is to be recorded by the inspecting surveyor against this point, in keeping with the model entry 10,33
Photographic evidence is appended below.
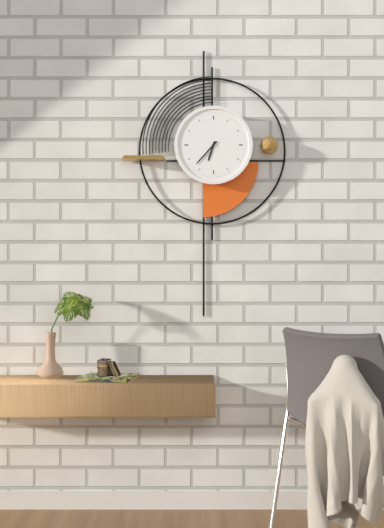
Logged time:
6,37
